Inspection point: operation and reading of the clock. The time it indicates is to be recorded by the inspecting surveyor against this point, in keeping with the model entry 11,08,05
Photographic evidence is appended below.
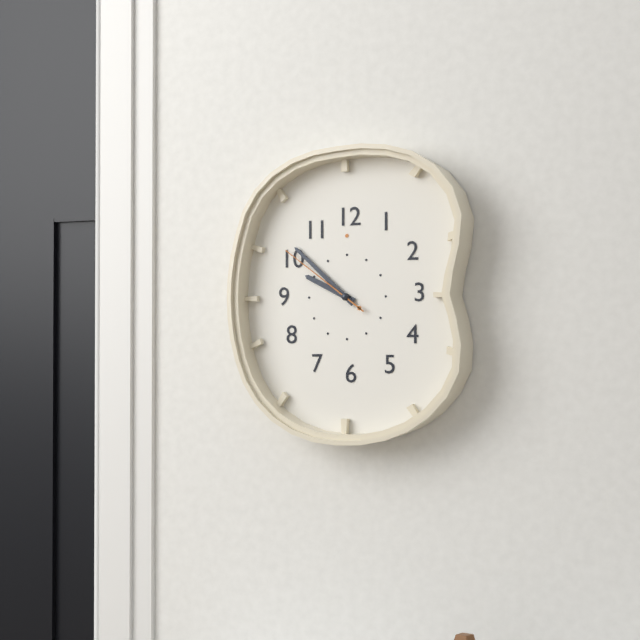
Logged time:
9,52,51
